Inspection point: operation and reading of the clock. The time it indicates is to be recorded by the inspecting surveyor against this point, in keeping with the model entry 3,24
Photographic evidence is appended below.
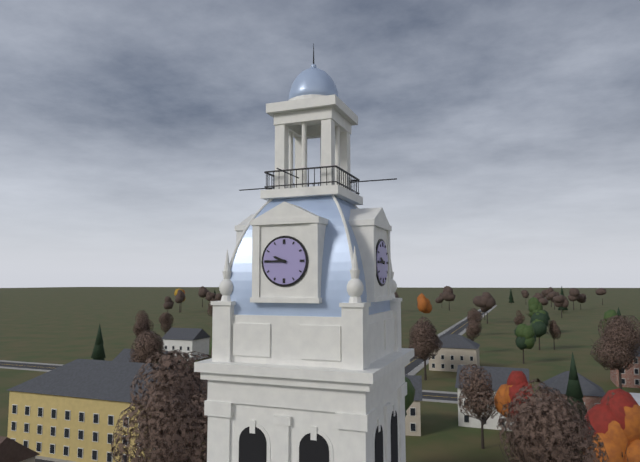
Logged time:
9,45
